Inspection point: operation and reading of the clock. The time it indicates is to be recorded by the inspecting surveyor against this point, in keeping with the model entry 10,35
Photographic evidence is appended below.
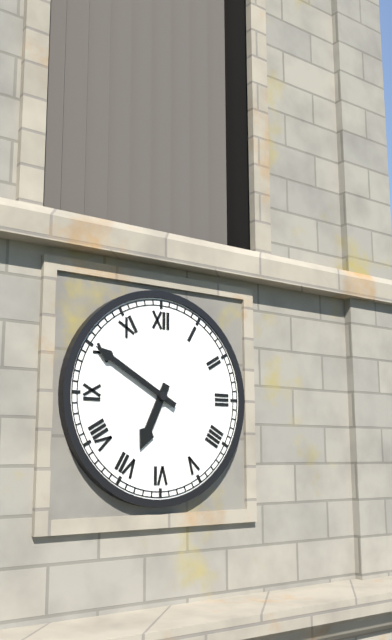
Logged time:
6,50
